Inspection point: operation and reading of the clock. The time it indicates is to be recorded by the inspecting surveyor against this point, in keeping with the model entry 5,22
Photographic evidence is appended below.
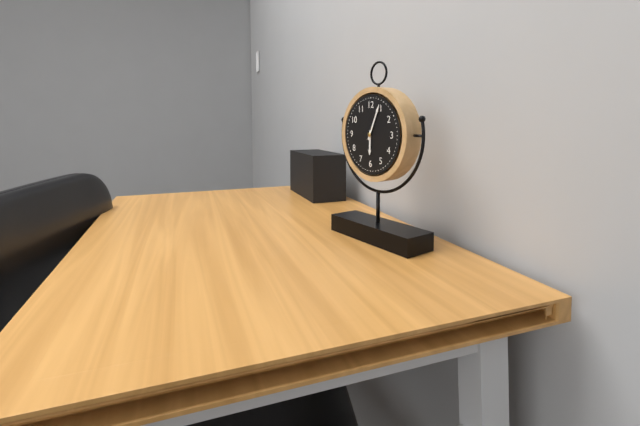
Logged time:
6,04
